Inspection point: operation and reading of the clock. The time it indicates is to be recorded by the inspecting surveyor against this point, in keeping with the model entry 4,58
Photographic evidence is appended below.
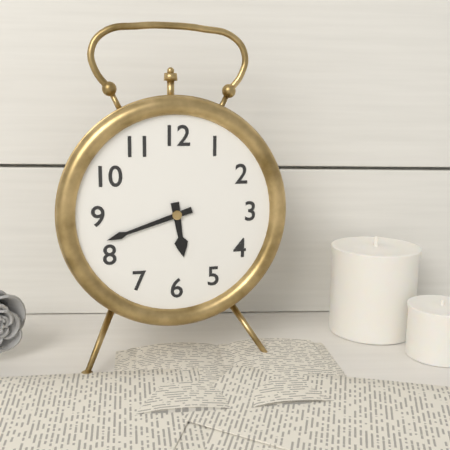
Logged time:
5,42
